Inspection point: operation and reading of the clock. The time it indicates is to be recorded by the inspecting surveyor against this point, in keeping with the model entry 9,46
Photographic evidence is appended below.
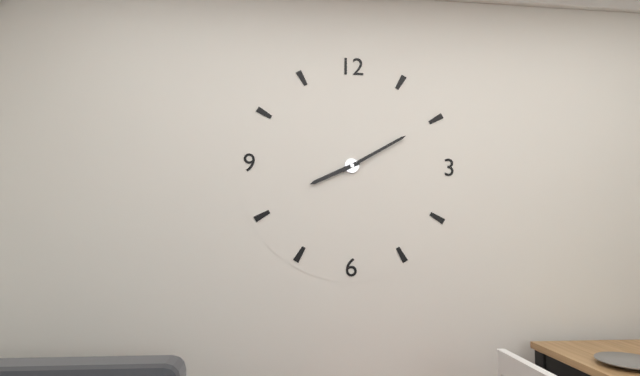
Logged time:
8,10
